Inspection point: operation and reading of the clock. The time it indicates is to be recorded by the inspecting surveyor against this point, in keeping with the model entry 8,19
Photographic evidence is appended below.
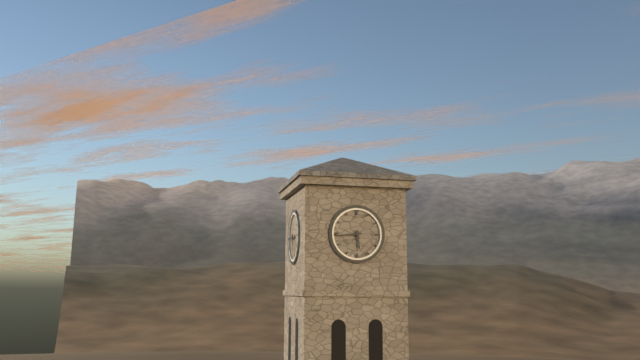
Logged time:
5,44
